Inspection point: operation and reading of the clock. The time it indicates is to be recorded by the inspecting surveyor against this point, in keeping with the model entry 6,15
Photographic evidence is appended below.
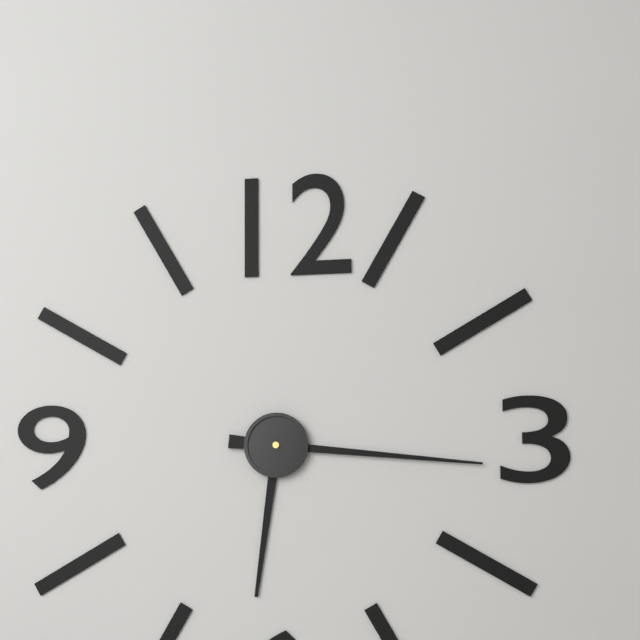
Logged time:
6,16
